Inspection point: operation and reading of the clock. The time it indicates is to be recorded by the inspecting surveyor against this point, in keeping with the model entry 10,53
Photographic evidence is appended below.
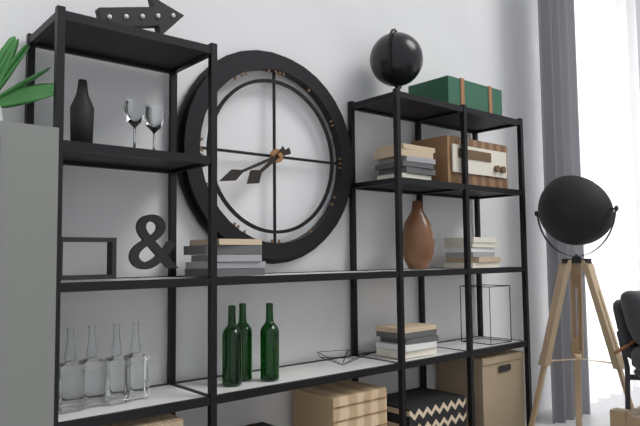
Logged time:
7,41
